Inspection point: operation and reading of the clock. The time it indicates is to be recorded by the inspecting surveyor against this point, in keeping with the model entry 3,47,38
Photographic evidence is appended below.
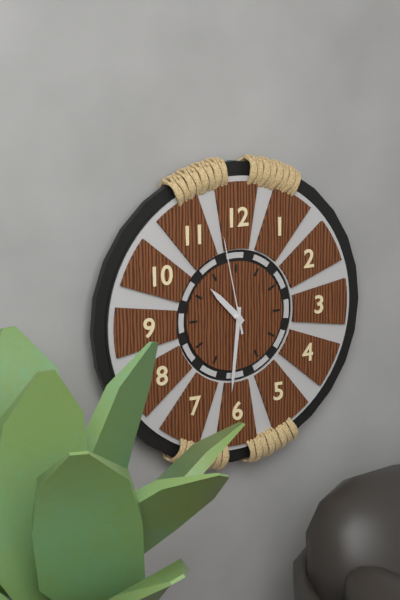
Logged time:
10,31,58
